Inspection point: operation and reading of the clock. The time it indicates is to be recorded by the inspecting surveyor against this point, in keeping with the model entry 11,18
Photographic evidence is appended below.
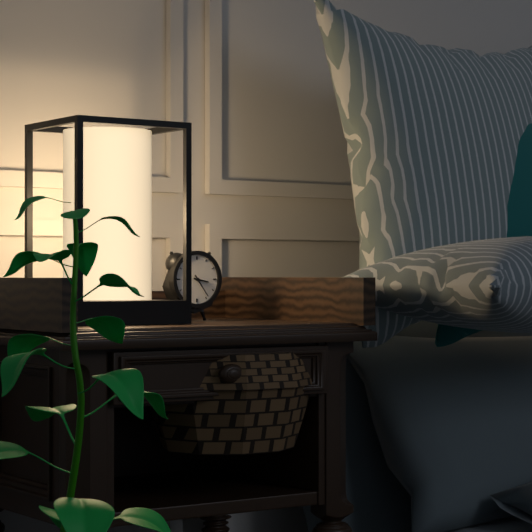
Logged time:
3,24
